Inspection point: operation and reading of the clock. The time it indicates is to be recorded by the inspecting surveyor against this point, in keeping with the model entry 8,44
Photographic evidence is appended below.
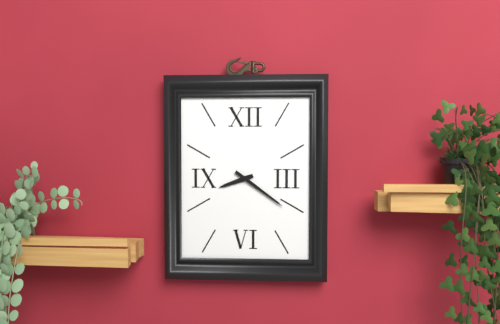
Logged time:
8,21
